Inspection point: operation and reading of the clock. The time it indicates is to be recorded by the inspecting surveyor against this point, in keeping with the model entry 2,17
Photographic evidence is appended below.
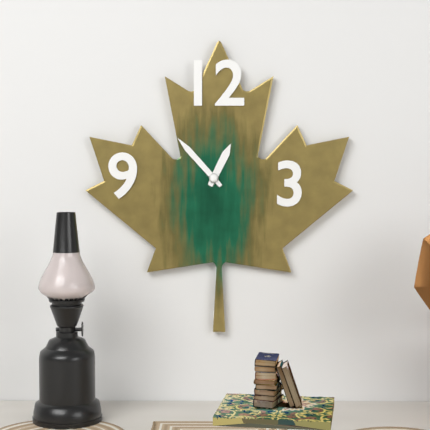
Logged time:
12,53
